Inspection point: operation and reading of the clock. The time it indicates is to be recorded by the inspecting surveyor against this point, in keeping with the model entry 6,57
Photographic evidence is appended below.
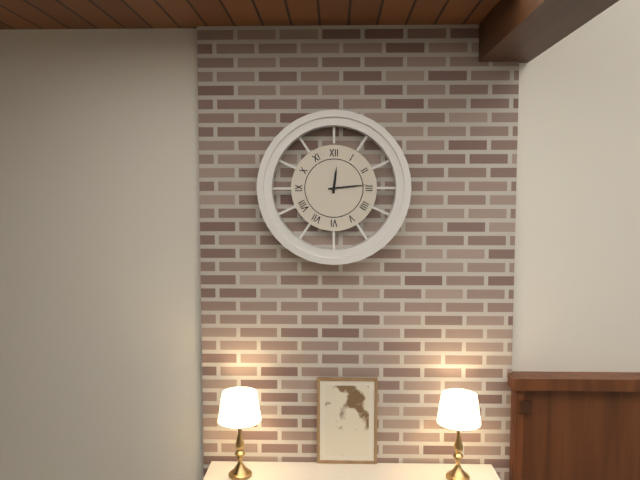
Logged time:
12,14
